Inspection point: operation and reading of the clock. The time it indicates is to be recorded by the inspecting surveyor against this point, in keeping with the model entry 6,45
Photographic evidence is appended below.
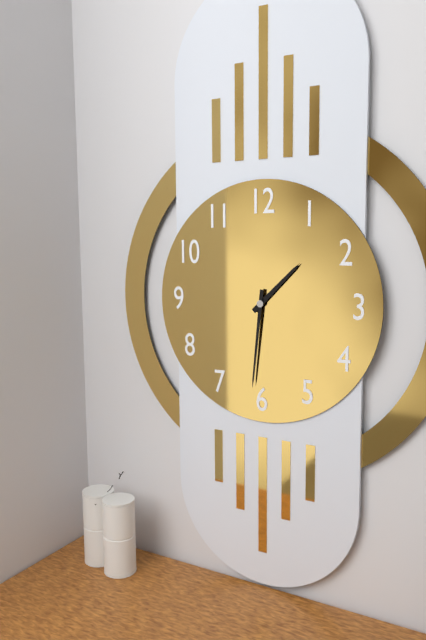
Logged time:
1,31
